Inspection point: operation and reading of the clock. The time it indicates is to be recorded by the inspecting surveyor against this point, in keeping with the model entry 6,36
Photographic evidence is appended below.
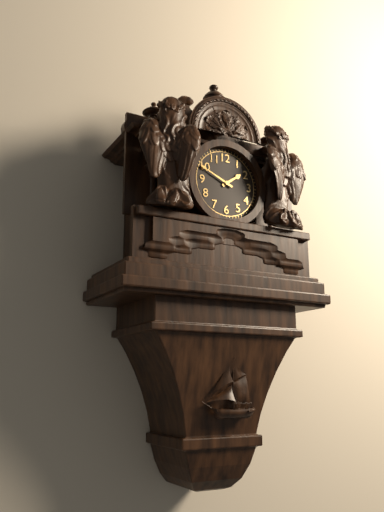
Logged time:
1,49
